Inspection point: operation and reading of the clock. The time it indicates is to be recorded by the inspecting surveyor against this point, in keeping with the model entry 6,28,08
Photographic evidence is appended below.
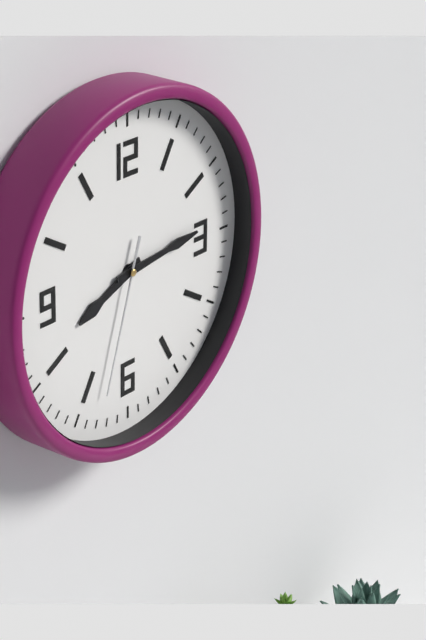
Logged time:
8,14,33
